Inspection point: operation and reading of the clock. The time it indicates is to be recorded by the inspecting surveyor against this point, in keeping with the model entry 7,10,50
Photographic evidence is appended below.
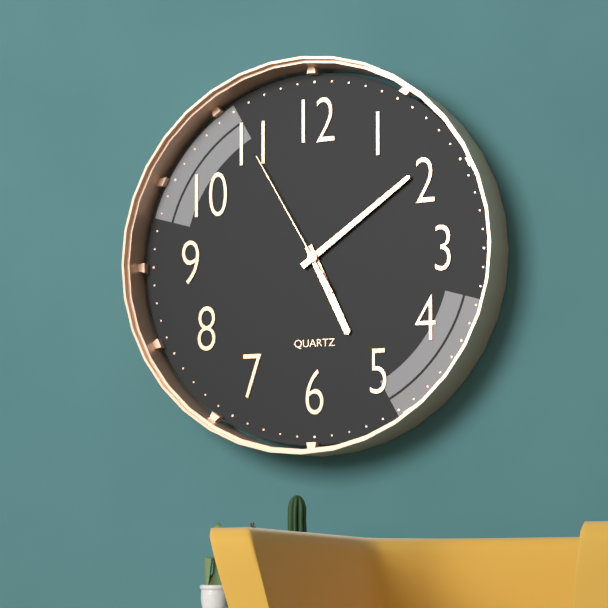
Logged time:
5,09,55
